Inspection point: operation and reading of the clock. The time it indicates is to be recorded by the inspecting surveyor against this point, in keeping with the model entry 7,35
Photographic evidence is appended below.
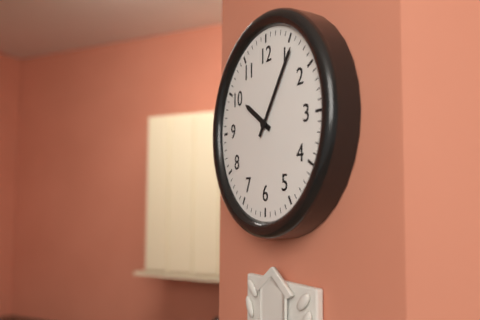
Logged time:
10,06
